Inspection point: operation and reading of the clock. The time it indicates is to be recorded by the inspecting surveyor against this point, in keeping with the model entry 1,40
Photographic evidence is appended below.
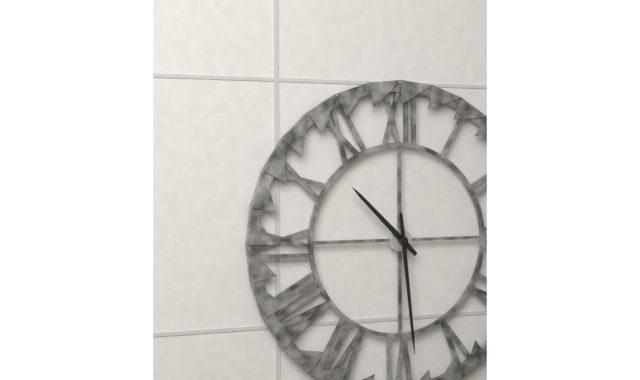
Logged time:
10,29
